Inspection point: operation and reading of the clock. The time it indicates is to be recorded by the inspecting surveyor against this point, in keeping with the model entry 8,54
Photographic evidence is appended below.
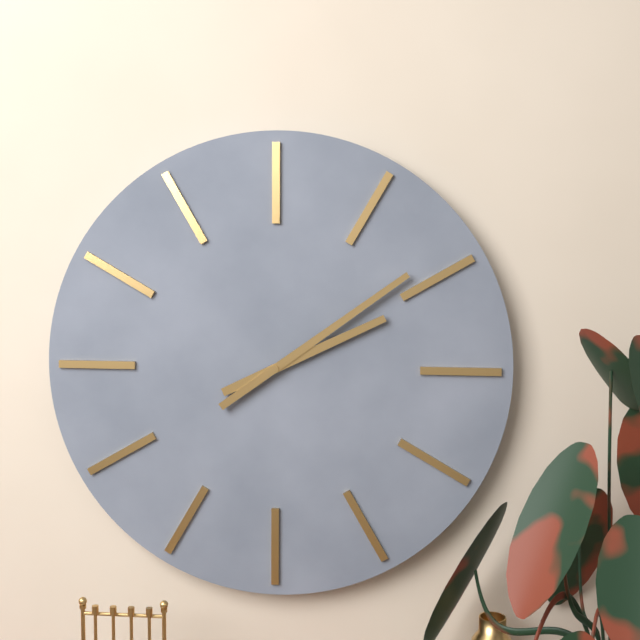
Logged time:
2,09
